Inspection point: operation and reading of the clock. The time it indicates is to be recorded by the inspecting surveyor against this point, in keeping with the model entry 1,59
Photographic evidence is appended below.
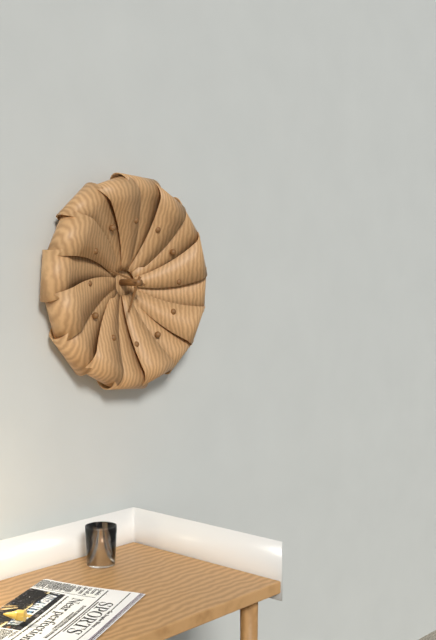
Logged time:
6,48
